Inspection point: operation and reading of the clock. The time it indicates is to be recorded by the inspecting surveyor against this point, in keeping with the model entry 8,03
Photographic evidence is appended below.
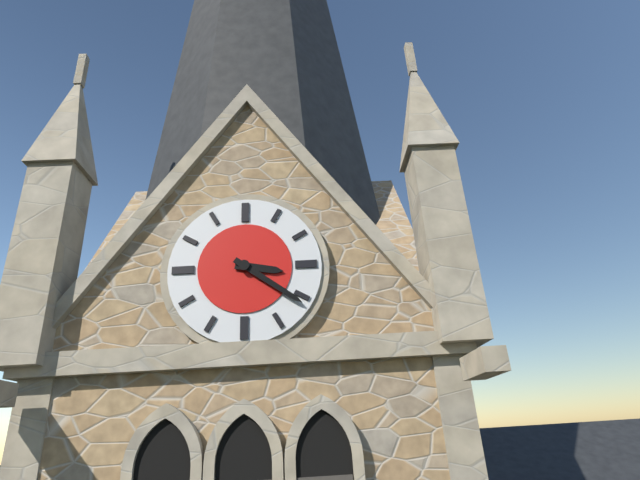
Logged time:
3,21
